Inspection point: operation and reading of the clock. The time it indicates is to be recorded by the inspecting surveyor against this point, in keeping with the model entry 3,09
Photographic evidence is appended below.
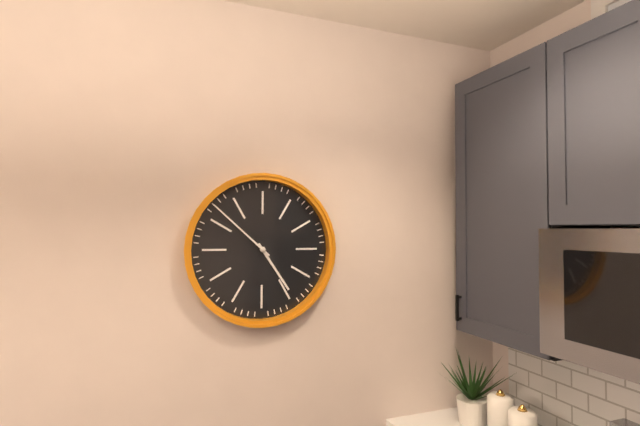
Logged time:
4,52
